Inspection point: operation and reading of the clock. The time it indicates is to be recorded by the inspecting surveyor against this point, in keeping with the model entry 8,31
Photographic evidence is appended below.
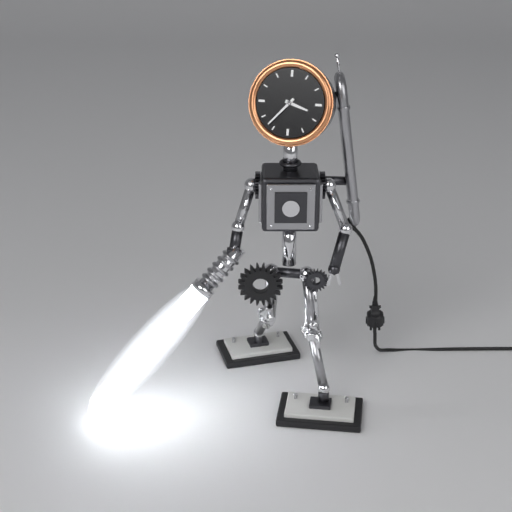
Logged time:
3,37
